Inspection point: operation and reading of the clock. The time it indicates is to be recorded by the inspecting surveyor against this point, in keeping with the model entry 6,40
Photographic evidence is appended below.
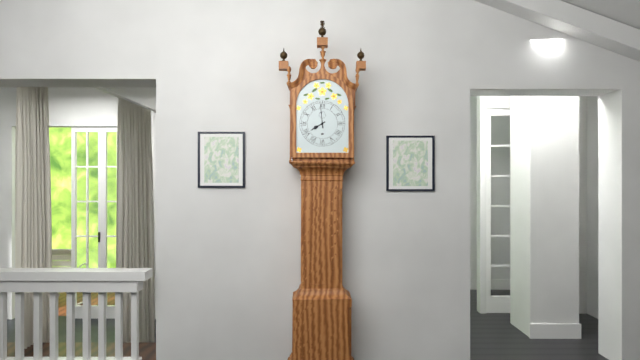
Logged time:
7,59
